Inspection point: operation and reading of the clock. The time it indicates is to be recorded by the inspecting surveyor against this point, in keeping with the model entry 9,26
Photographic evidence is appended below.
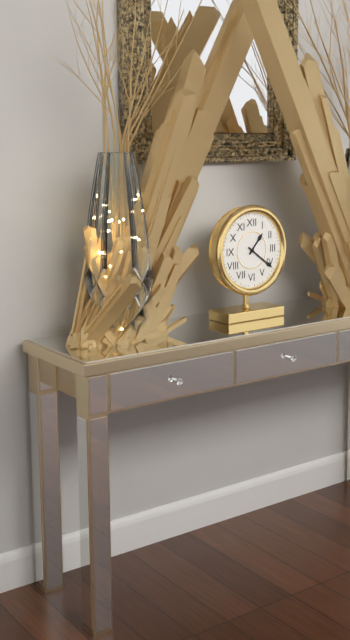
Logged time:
1,21
